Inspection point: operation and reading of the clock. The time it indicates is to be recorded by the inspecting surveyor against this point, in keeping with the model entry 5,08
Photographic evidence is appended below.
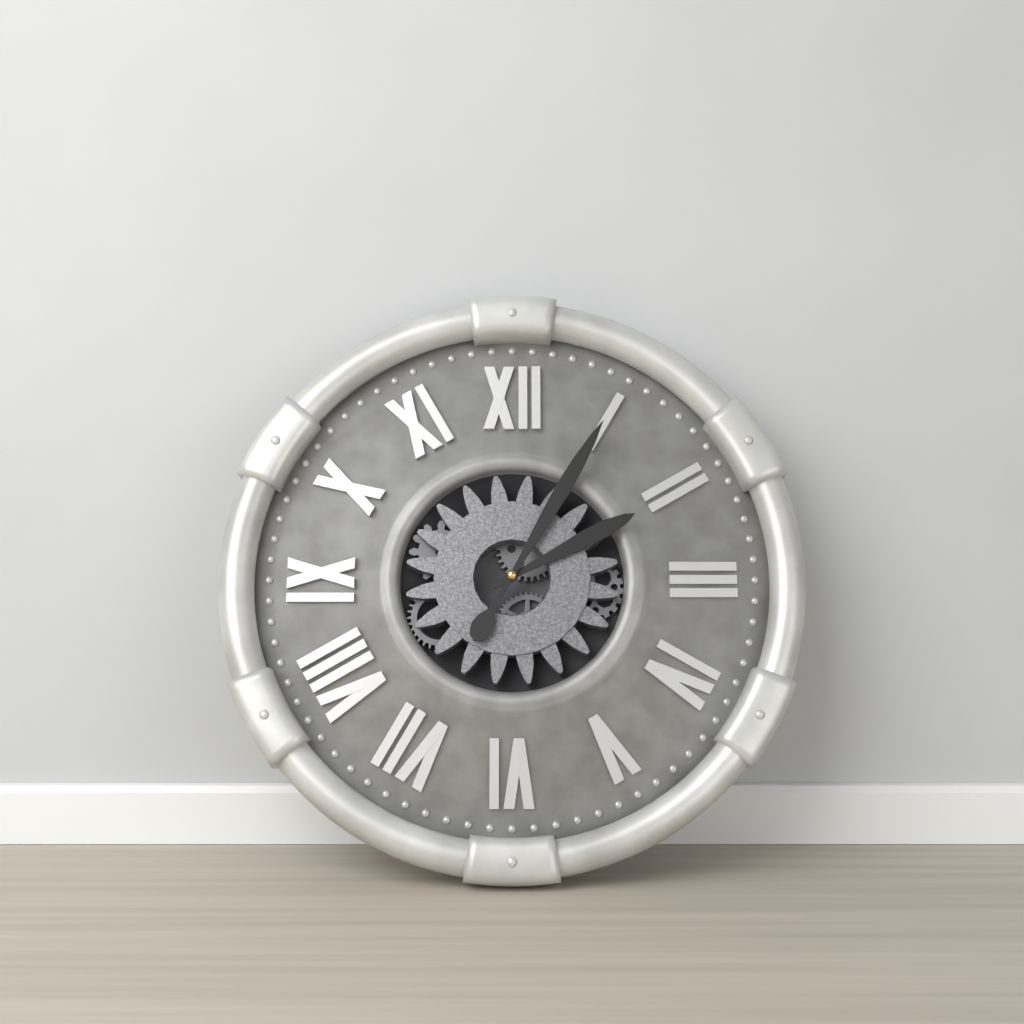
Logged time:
2,05
